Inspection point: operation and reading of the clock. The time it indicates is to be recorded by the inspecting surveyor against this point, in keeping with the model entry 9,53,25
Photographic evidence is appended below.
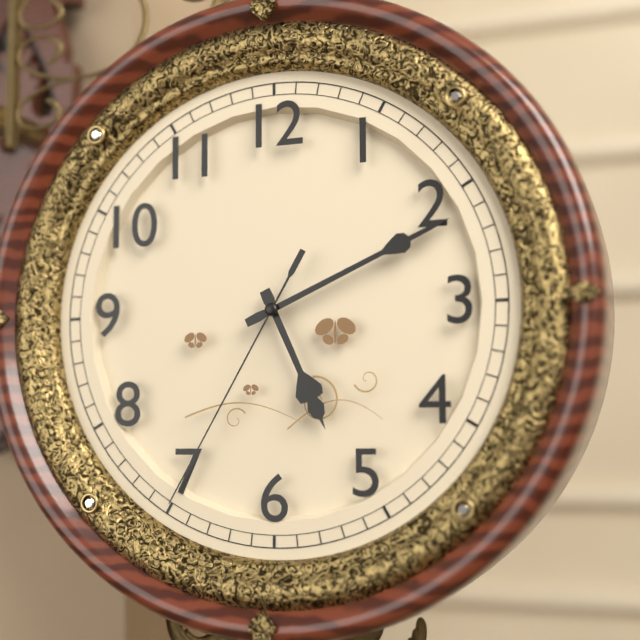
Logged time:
5,11,35
